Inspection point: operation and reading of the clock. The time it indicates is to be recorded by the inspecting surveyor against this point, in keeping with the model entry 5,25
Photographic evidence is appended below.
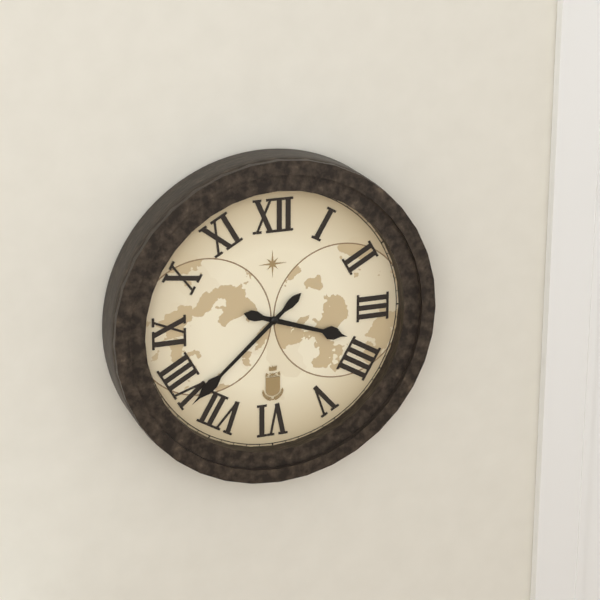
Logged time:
3,38
